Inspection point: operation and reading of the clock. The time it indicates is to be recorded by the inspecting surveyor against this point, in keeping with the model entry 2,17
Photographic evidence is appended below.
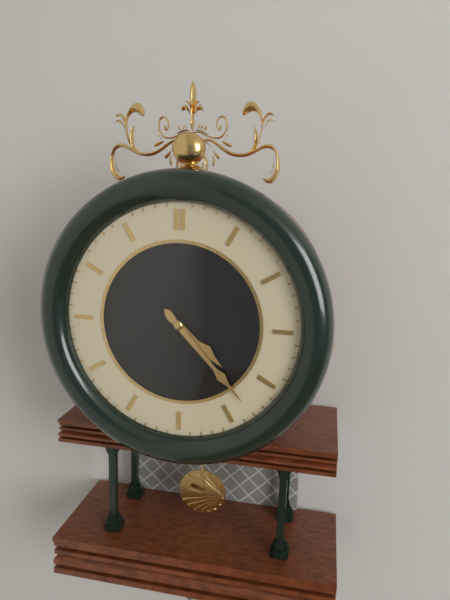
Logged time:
4,23
